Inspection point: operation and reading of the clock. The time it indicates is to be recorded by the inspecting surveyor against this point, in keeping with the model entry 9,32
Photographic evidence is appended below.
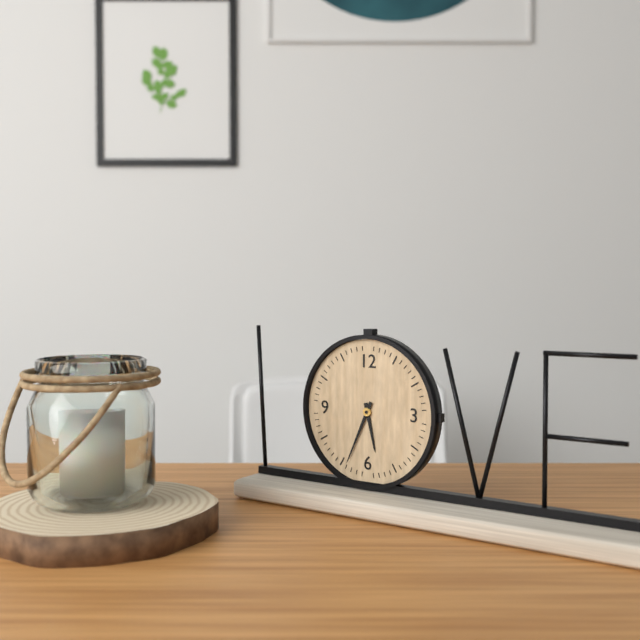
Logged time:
5,34
